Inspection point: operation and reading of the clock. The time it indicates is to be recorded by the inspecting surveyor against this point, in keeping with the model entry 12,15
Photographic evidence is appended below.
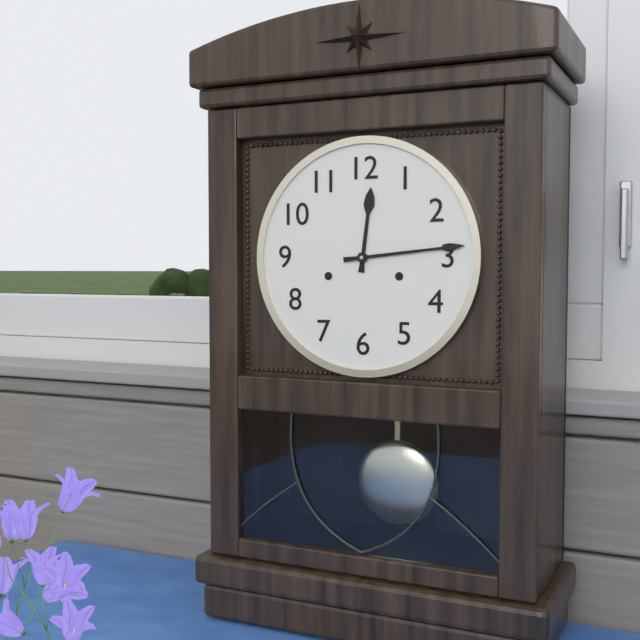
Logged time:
12,14
